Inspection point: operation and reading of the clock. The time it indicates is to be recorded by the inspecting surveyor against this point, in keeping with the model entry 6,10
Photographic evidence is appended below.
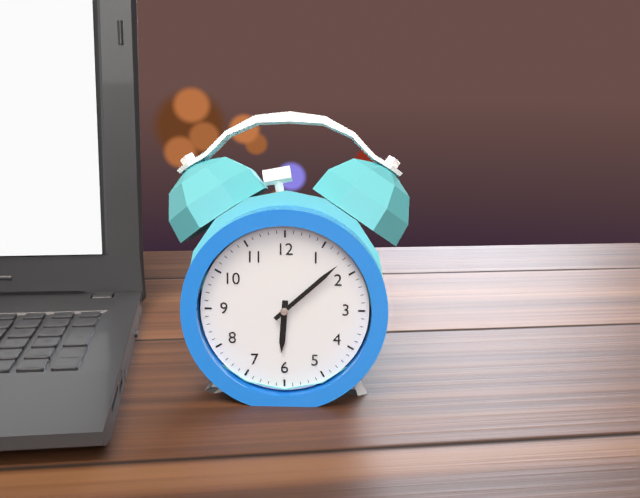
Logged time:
6,08
